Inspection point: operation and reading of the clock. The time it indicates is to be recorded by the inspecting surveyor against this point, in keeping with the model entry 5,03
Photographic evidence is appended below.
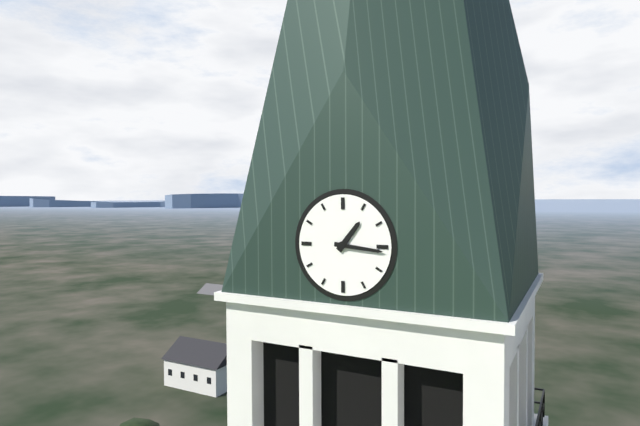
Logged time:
1,16
